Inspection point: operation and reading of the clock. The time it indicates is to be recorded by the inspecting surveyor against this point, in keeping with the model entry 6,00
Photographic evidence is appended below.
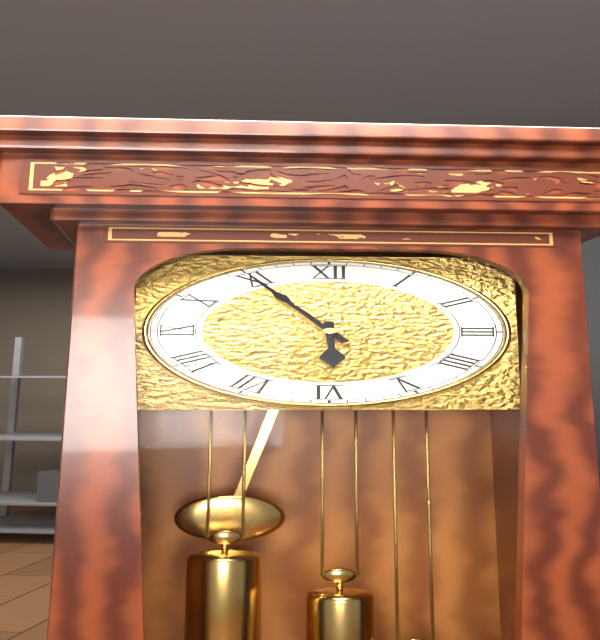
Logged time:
5,55
